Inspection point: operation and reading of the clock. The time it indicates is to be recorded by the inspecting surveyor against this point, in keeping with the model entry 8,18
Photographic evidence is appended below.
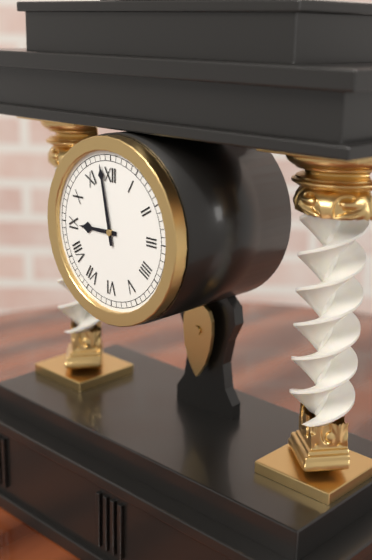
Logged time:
8,58
